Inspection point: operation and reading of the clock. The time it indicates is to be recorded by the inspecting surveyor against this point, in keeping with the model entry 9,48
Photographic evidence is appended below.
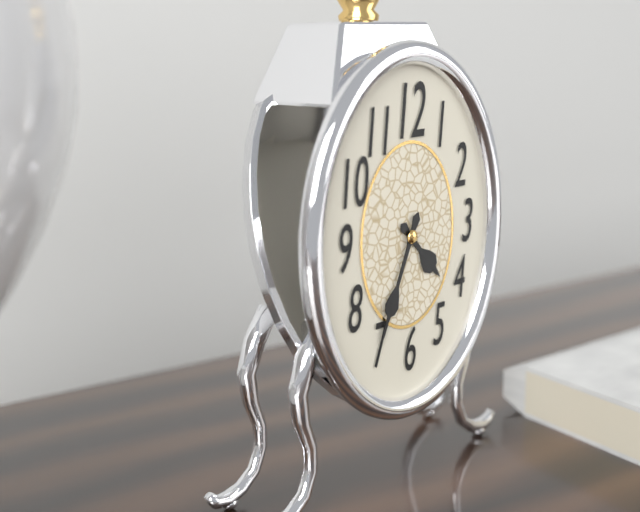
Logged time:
4,34
